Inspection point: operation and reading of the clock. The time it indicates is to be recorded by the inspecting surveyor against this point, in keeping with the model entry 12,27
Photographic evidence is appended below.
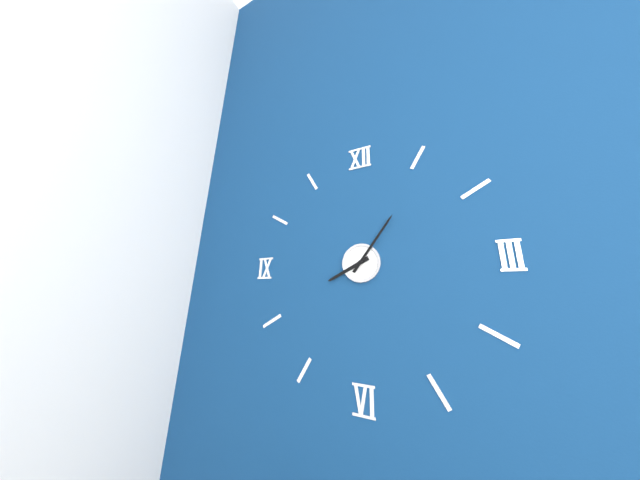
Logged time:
8,06
